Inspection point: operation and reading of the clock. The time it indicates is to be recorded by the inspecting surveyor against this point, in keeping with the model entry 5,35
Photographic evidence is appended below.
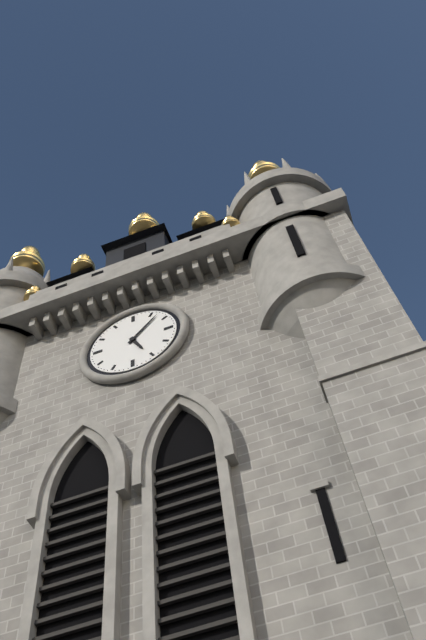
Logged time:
5,07
